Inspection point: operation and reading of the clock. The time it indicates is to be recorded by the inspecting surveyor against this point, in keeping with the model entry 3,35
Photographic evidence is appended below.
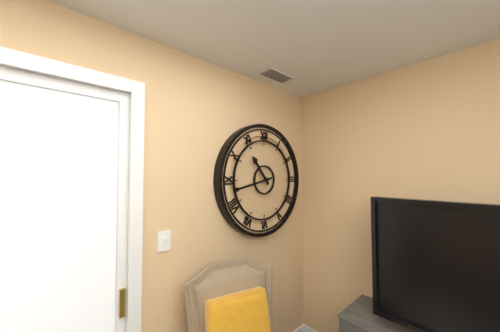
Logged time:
10,43
